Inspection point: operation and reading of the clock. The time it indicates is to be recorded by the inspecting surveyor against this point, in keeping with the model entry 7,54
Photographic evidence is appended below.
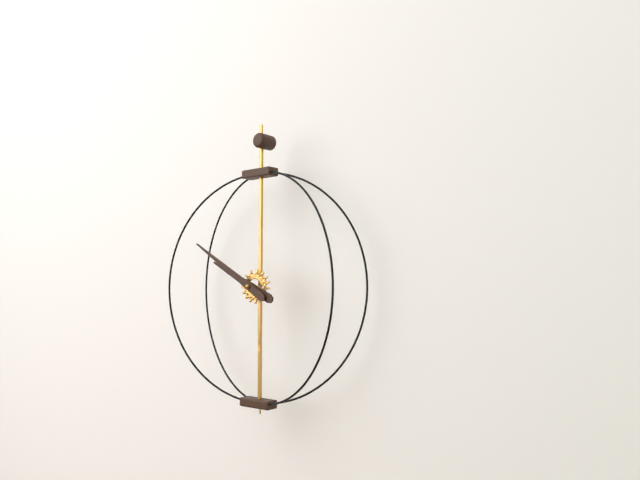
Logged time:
9,50
